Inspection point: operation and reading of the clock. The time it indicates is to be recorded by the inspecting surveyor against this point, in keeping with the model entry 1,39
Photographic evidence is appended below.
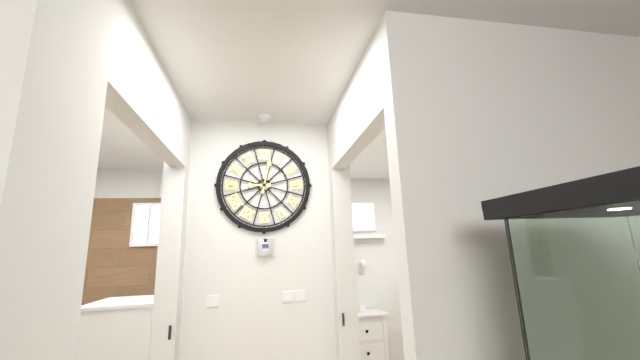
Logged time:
9,02
